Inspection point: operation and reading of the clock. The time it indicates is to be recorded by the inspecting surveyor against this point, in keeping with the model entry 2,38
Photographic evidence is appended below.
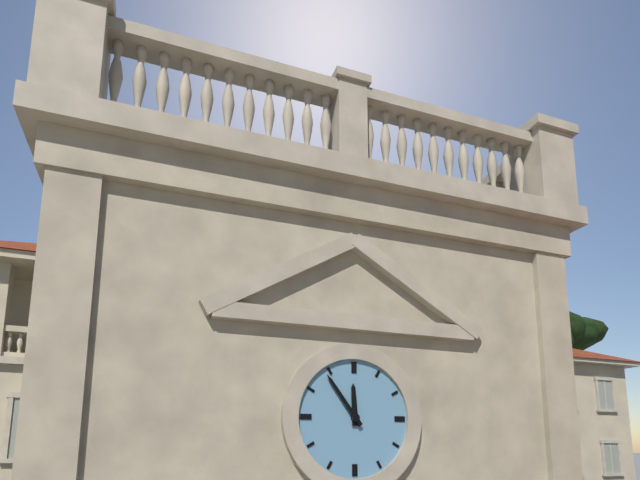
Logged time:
11,54
